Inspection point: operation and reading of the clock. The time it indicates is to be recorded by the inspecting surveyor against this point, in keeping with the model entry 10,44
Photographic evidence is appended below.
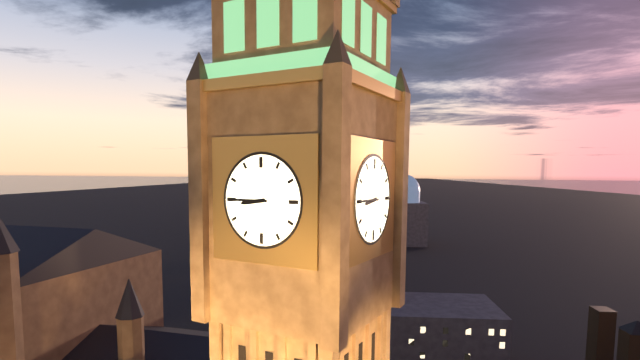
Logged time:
8,45
